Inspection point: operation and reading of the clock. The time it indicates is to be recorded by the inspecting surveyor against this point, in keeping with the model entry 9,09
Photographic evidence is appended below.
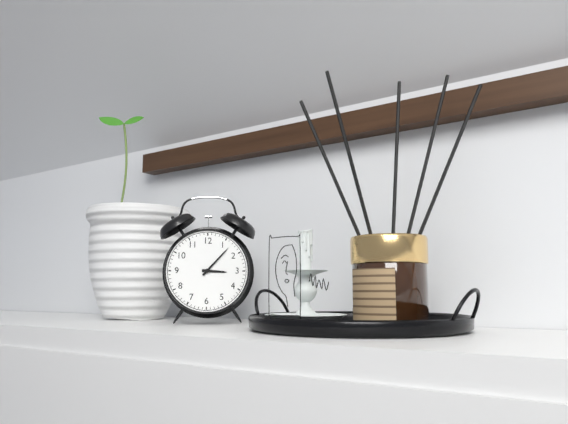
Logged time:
3,07
